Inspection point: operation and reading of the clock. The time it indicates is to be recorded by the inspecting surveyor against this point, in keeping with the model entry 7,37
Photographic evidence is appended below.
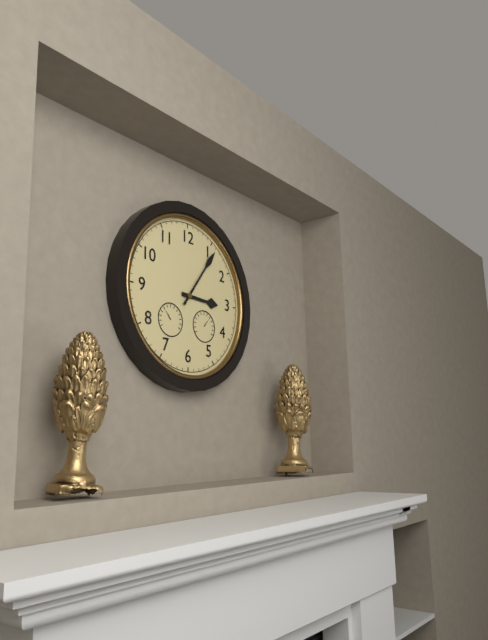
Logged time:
3,06
